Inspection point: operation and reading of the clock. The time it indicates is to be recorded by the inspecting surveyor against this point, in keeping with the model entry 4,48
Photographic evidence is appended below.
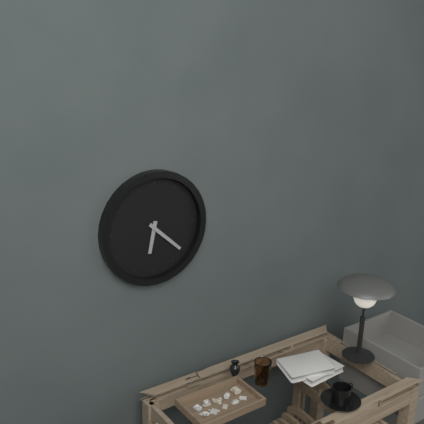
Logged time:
6,22
